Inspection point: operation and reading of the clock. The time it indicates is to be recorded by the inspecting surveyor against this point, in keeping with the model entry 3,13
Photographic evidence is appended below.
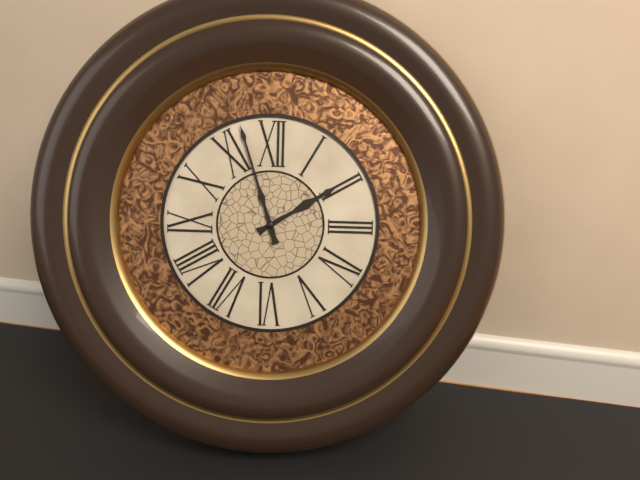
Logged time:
1,57
